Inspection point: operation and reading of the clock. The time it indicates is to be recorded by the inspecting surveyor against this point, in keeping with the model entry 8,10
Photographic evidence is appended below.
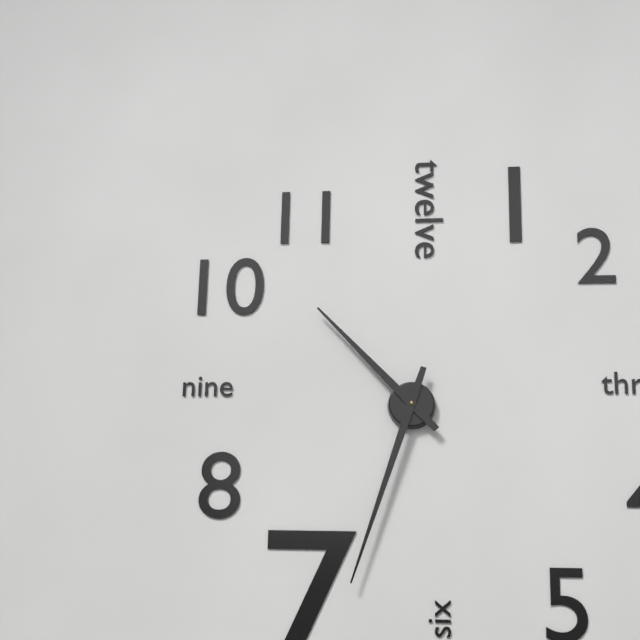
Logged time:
10,33
